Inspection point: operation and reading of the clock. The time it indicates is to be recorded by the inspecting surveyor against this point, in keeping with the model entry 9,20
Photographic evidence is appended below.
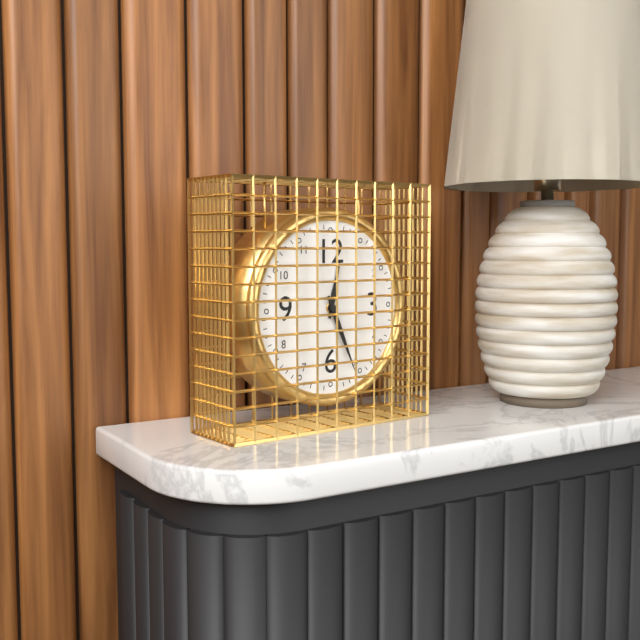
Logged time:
12,26
